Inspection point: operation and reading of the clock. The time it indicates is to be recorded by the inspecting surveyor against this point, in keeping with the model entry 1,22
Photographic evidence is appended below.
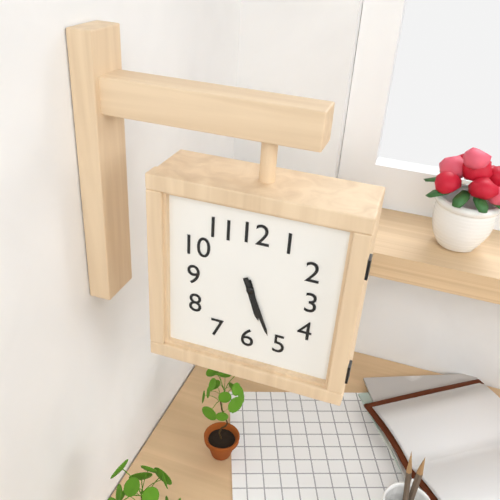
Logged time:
5,26
